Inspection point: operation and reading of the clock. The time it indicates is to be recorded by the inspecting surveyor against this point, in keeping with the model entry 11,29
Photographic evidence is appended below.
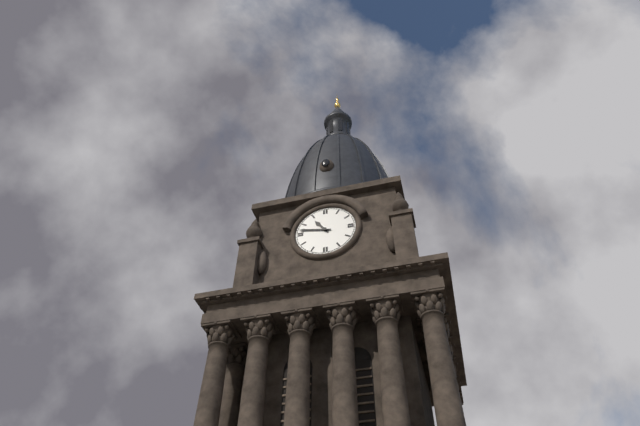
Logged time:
10,47
